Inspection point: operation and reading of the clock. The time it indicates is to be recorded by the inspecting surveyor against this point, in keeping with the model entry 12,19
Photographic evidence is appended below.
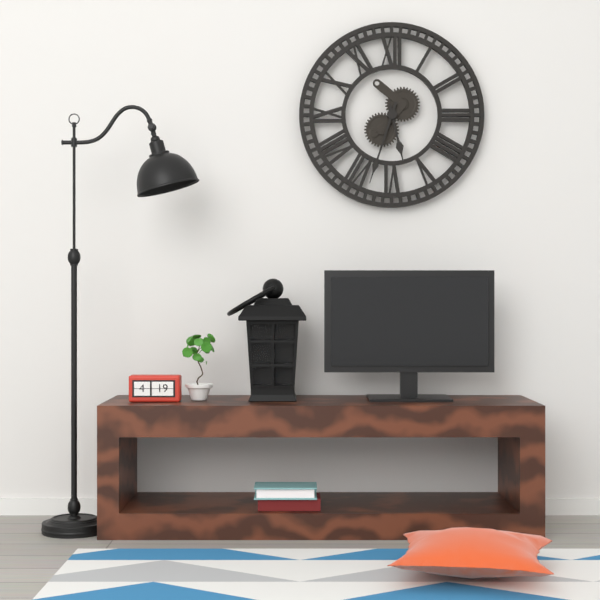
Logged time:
5,33
